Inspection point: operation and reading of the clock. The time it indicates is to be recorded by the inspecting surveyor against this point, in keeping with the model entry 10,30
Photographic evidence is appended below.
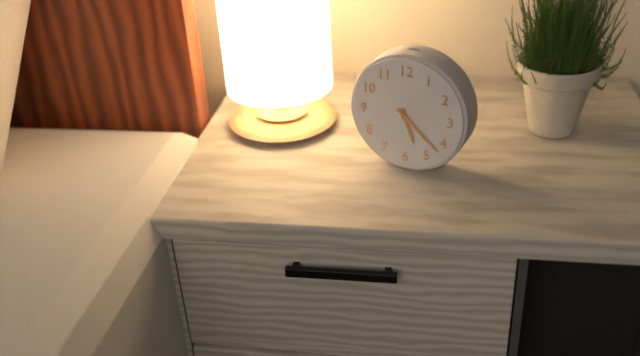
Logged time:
5,22
